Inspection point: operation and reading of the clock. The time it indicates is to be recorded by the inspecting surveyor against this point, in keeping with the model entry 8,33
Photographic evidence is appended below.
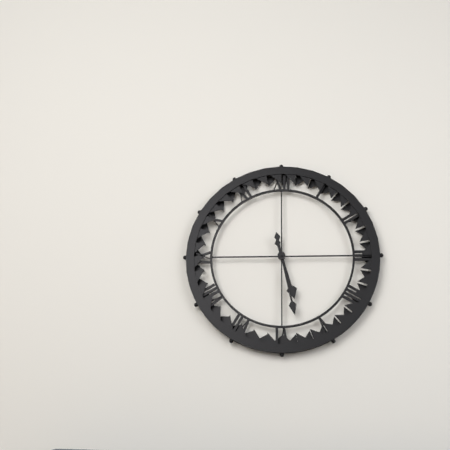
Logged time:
5,28
